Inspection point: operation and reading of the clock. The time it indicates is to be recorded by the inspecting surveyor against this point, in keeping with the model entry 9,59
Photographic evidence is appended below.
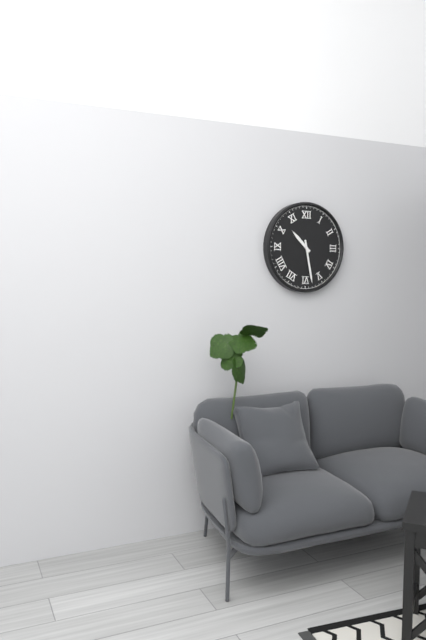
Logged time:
10,28
